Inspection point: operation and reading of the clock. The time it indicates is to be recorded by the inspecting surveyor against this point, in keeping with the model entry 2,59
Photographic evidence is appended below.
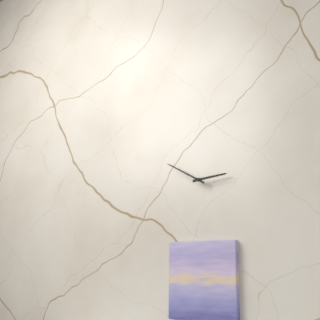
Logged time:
2,50
